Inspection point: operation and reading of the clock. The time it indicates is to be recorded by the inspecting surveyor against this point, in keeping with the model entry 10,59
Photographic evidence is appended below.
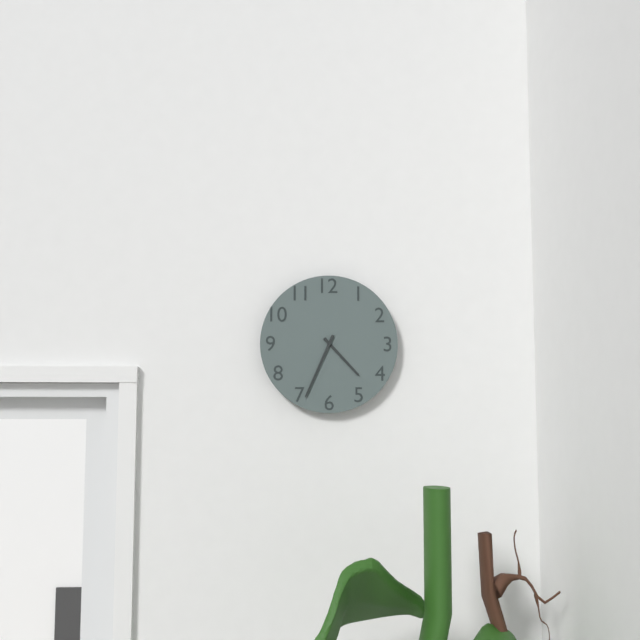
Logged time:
4,34
